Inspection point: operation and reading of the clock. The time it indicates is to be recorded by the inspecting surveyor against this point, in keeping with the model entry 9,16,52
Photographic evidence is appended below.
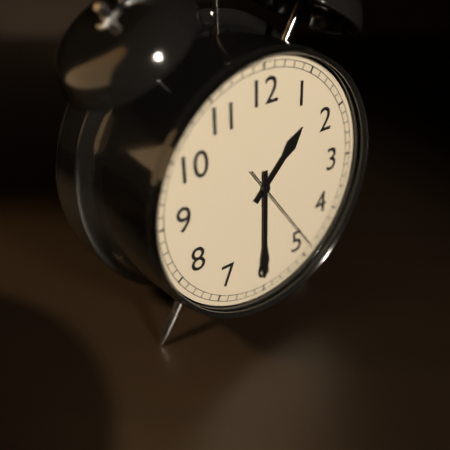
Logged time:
1,30,24
